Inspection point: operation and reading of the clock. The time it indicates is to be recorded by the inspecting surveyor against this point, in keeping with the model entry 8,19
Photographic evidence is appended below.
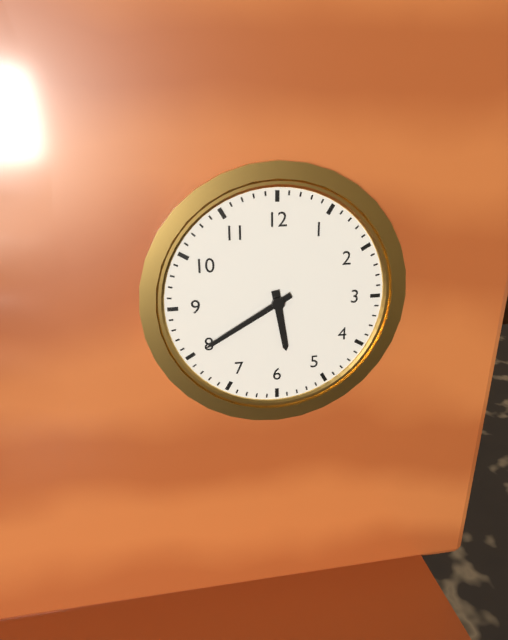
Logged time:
5,40
